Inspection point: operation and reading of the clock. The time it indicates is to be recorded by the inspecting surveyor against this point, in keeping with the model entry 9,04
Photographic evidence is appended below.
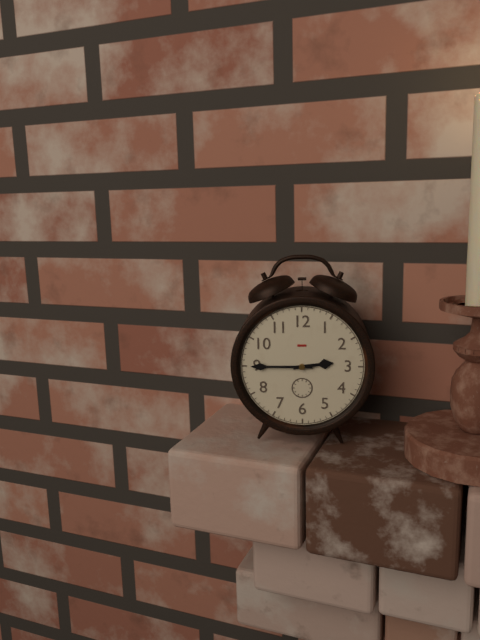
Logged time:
2,45
